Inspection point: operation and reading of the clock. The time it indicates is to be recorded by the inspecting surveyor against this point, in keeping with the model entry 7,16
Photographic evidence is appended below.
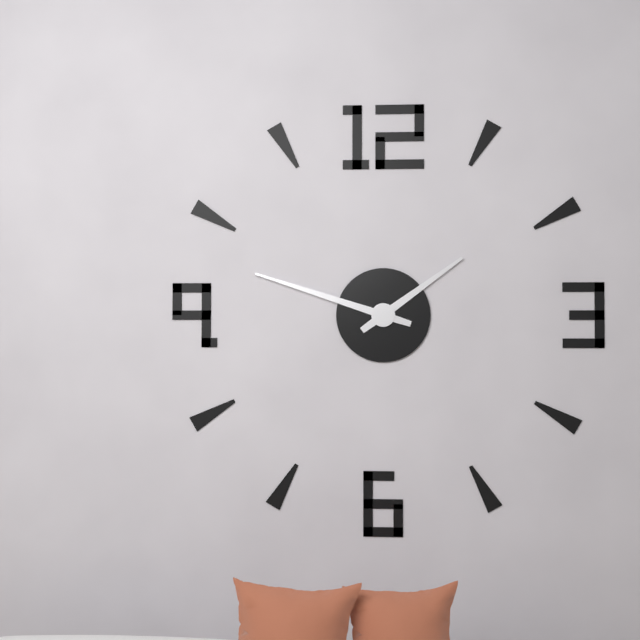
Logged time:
1,48
